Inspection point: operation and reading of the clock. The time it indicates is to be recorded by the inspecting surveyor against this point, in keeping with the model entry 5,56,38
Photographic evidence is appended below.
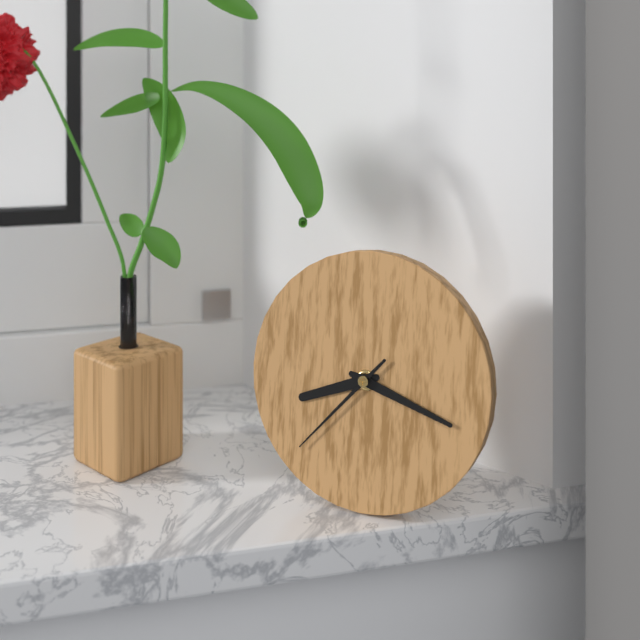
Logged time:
8,18,37
